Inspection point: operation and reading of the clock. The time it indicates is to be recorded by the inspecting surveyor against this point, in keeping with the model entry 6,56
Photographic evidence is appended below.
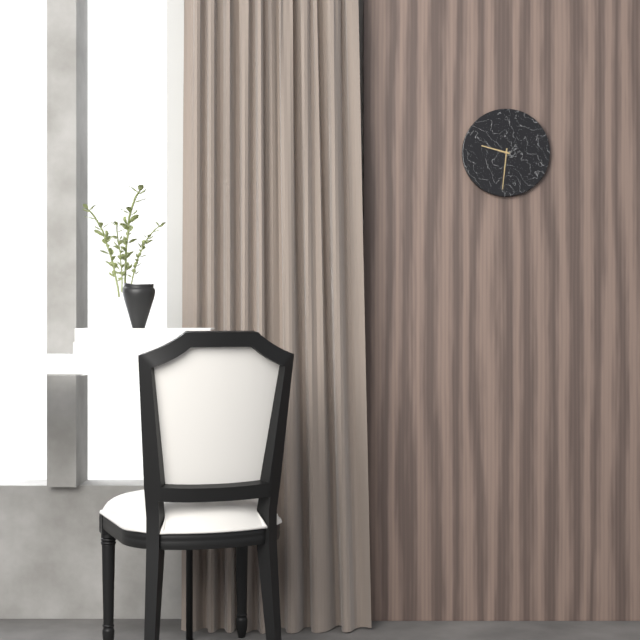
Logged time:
9,31
